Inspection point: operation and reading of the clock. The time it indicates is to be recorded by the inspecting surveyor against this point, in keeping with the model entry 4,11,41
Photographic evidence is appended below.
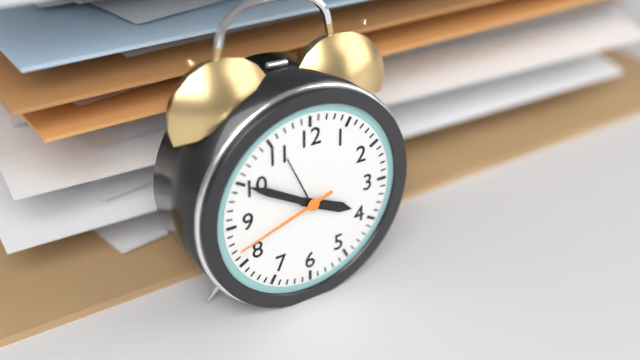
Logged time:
3,50,42
